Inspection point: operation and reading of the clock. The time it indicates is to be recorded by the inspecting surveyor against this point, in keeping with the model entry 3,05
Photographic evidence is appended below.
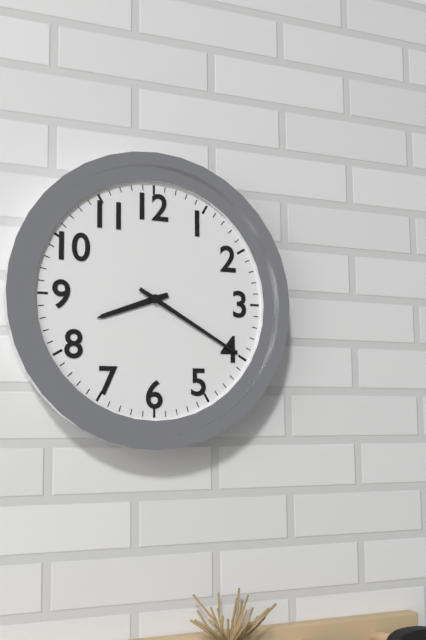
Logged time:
8,20
